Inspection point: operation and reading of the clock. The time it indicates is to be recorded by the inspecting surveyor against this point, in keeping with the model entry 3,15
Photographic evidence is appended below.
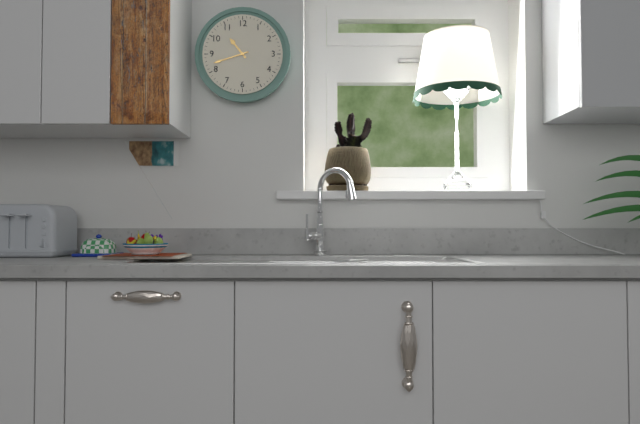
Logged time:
10,42
